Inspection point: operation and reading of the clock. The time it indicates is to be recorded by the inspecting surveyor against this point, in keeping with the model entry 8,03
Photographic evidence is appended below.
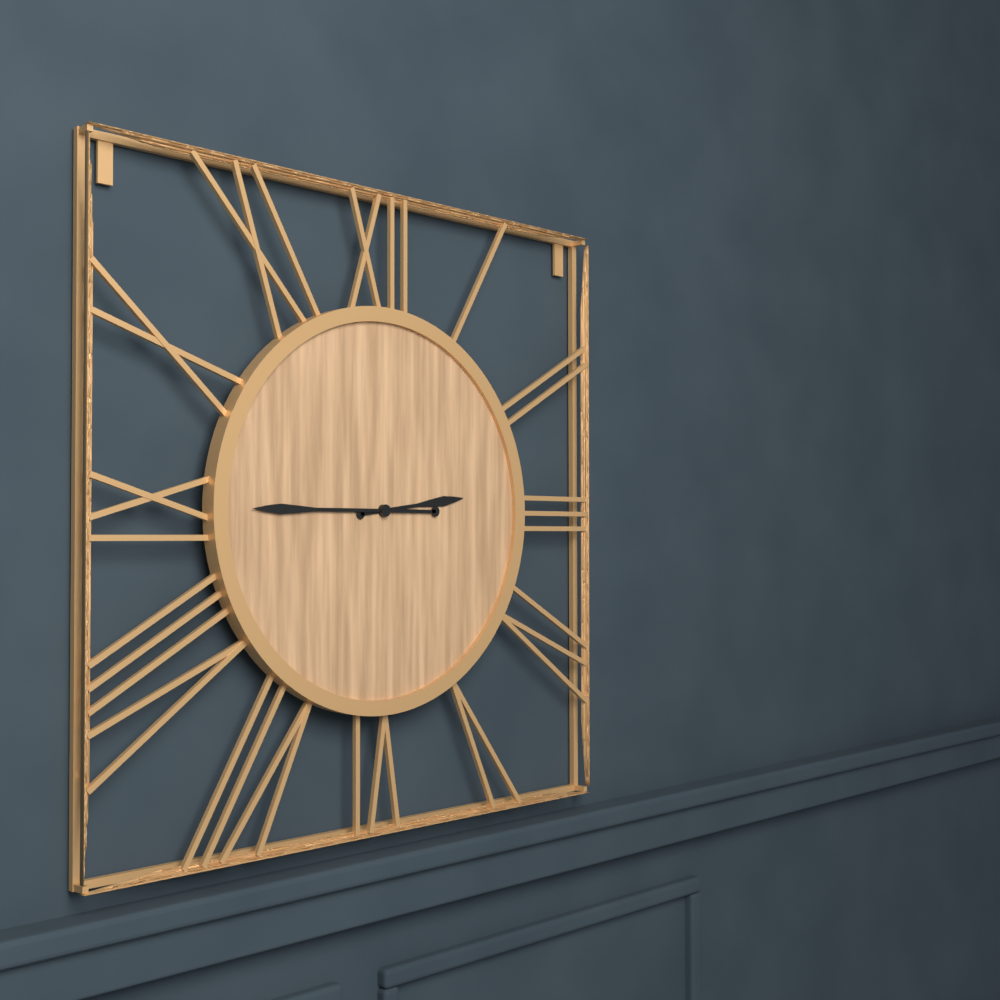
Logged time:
2,45
